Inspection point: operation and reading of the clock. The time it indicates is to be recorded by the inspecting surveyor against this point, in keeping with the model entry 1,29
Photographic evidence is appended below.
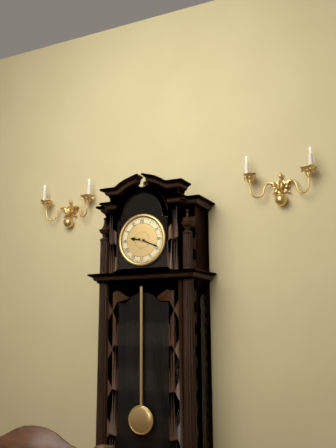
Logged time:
9,19
